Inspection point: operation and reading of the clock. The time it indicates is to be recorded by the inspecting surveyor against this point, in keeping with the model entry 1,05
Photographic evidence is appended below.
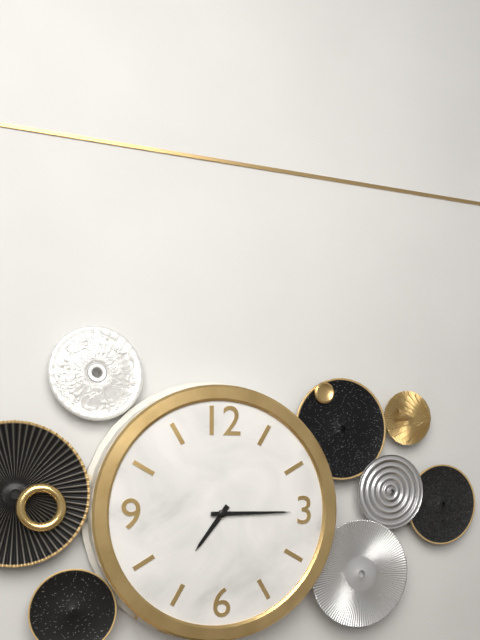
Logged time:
7,15
